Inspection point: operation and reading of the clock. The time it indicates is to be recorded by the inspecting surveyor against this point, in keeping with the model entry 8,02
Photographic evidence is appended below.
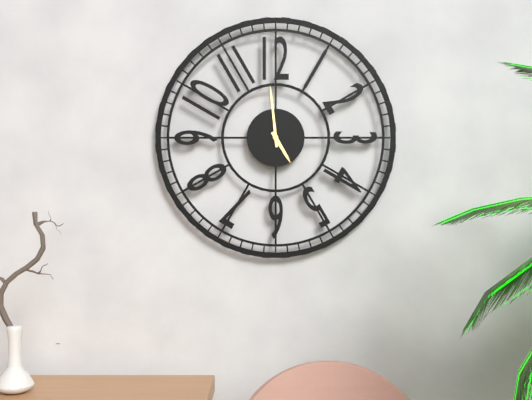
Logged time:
4,59
